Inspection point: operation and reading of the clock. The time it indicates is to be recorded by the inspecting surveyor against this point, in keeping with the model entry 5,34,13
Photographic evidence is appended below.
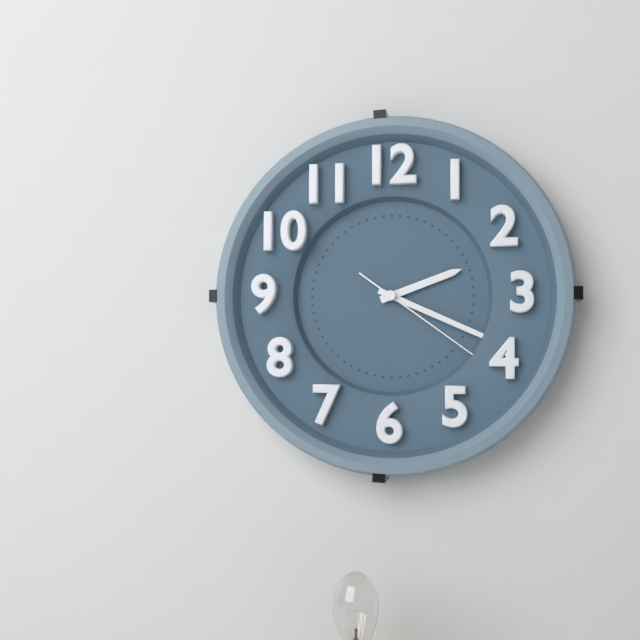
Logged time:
2,19,21
